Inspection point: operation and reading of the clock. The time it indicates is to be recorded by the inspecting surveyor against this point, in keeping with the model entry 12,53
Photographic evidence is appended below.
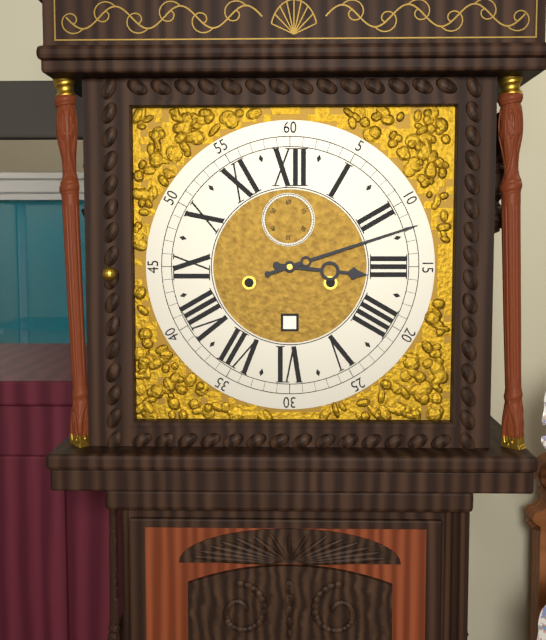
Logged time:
3,12
